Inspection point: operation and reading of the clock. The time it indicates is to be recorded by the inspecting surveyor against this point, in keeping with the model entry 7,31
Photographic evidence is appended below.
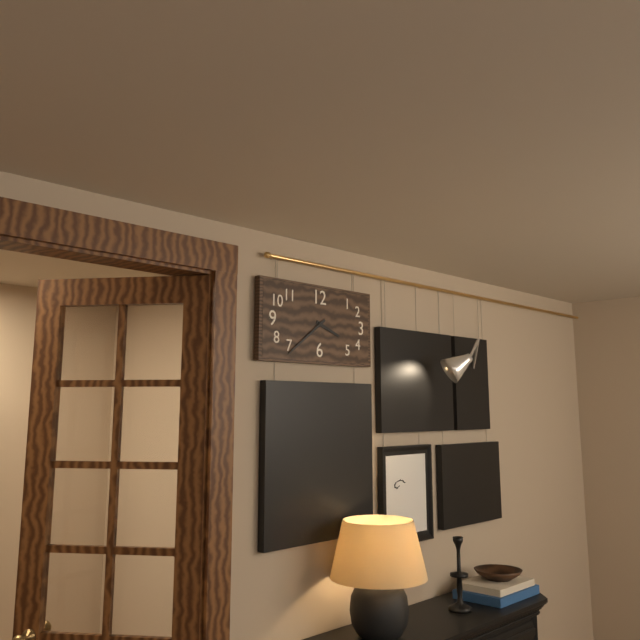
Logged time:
3,39
